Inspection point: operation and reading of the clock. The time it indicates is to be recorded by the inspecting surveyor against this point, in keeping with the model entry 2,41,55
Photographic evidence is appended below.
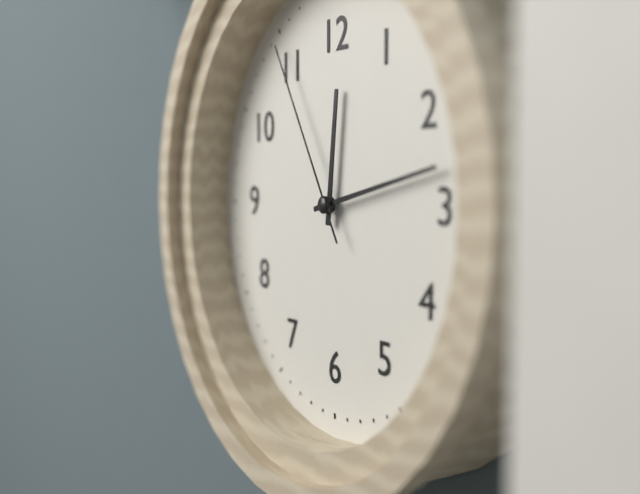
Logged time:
12,13,55
